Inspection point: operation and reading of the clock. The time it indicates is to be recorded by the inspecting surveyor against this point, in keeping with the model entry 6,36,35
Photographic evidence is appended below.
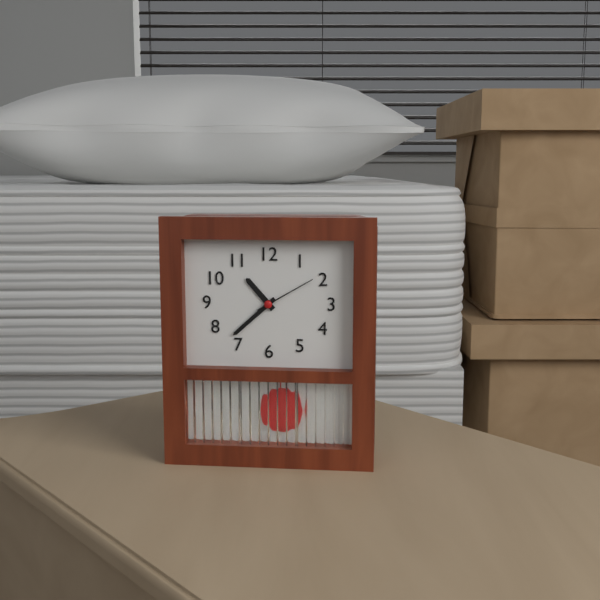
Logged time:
10,38,10
